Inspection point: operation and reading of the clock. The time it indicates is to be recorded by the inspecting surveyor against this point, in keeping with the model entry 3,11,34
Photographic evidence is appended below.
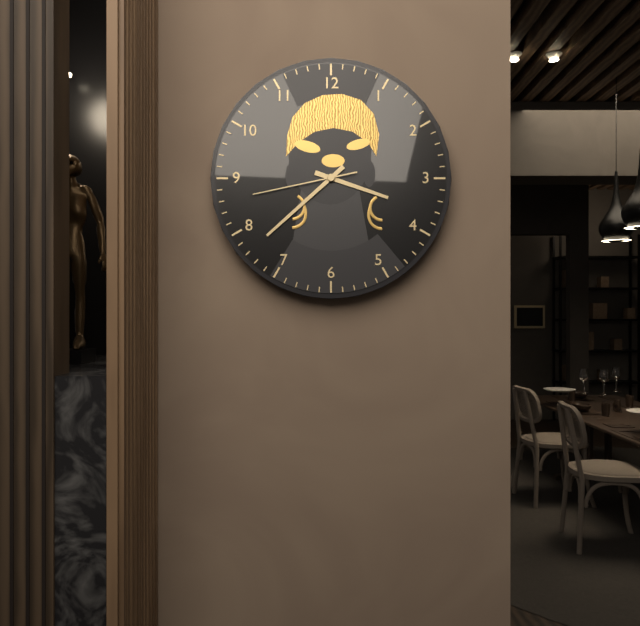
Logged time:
3,38,43
